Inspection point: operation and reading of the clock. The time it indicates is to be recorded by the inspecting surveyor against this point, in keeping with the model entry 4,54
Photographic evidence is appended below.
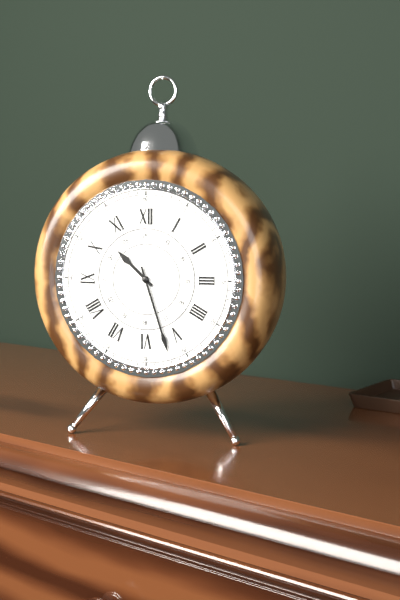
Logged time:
10,27
